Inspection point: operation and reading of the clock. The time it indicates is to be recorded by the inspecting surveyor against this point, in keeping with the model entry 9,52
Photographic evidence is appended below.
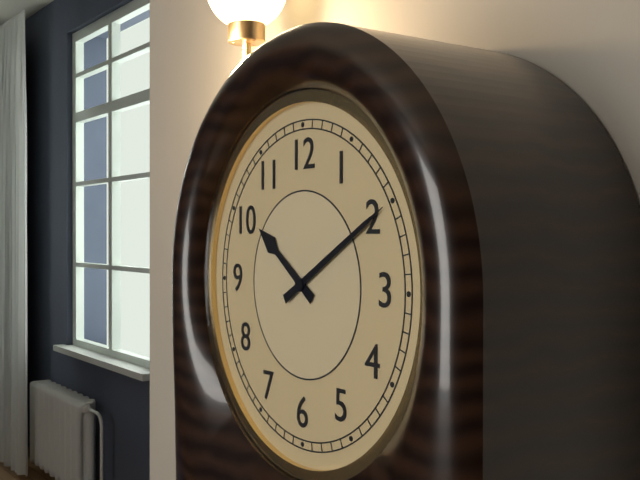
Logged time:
10,10
